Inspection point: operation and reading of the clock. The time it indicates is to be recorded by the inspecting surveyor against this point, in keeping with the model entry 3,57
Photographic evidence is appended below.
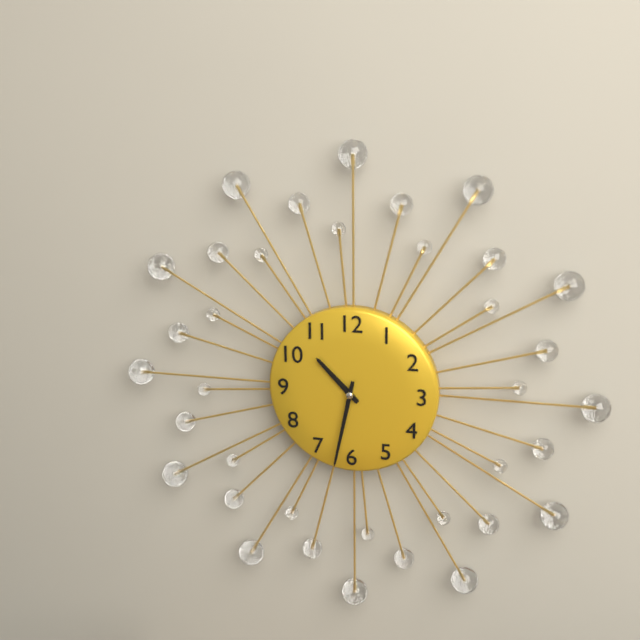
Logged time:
10,32
